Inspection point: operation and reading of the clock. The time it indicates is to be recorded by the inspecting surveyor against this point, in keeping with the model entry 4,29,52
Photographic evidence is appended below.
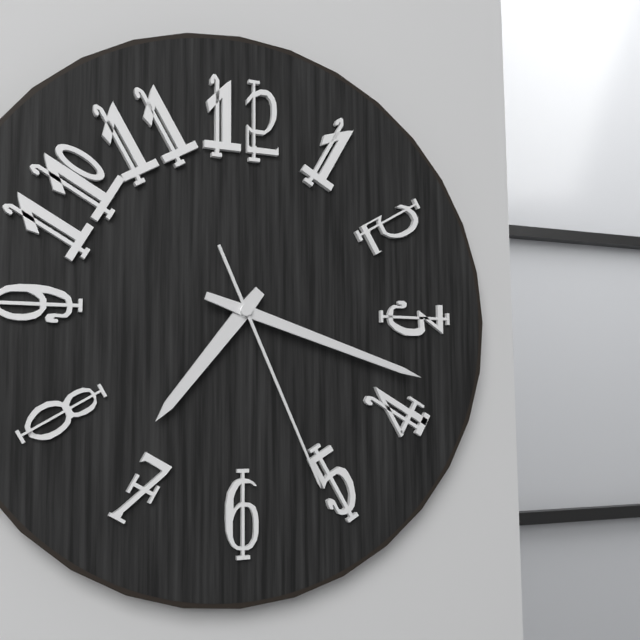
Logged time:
7,18,26
